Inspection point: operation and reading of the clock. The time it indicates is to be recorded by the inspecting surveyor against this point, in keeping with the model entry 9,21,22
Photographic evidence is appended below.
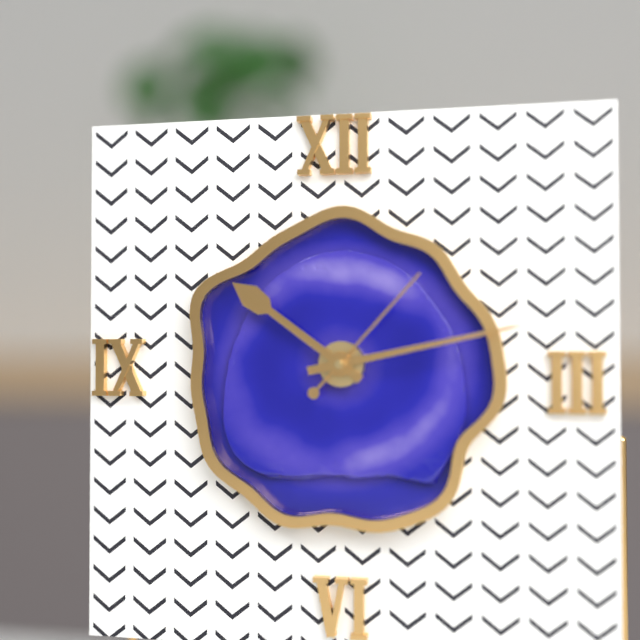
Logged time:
10,13,07
